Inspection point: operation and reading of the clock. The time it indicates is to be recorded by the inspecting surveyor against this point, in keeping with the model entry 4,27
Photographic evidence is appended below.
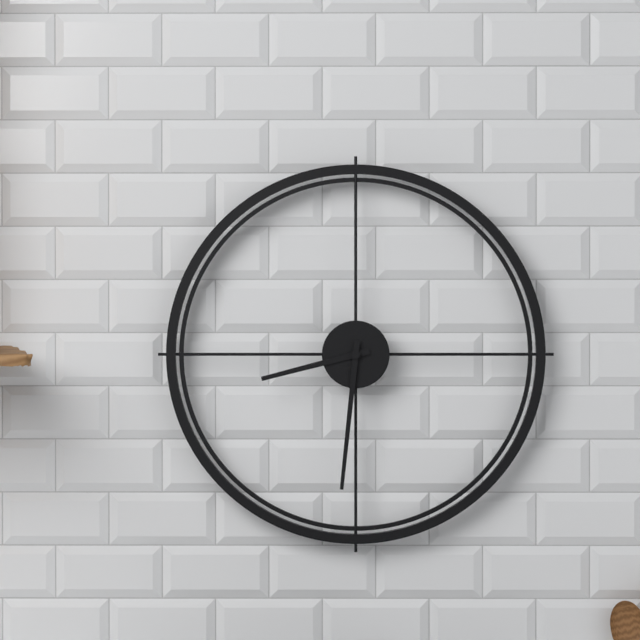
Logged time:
8,31
